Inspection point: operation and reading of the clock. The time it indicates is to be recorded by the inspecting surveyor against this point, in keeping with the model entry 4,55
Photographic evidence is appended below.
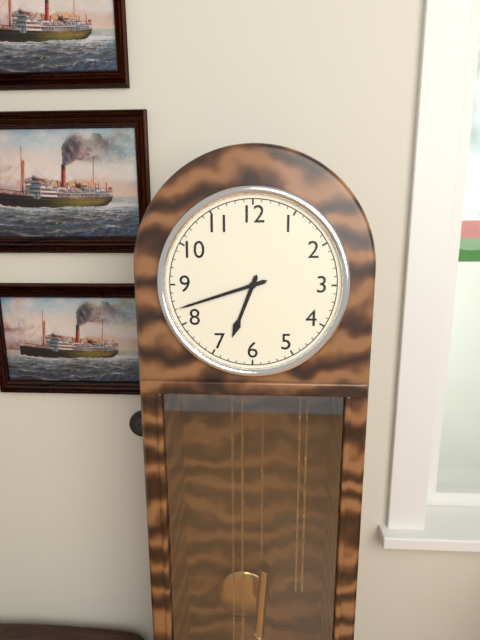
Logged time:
6,42
